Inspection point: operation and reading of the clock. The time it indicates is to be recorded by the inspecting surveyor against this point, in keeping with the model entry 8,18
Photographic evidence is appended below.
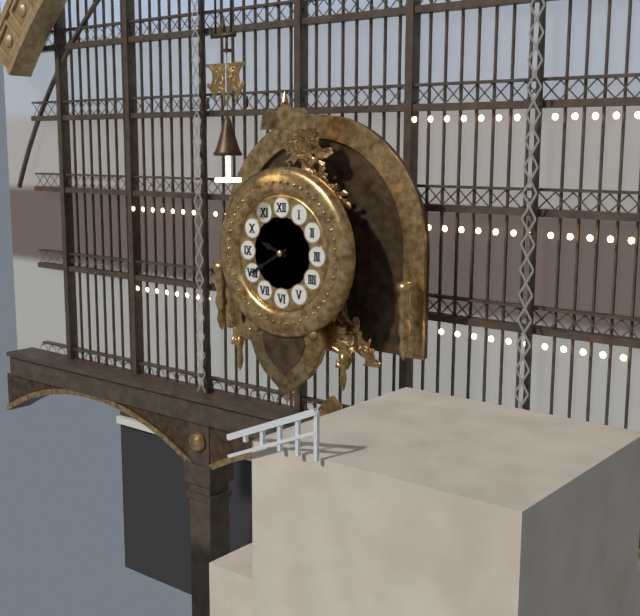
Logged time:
9,40
